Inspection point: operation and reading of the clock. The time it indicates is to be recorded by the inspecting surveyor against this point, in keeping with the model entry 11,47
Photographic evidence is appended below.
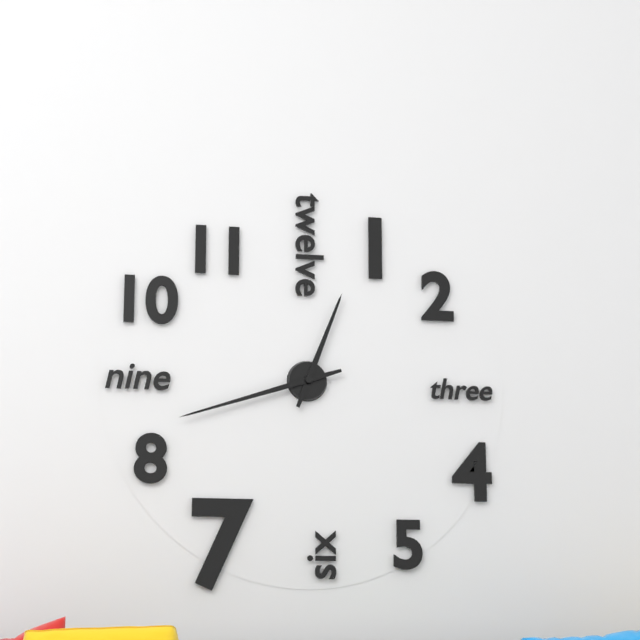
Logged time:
12,42
